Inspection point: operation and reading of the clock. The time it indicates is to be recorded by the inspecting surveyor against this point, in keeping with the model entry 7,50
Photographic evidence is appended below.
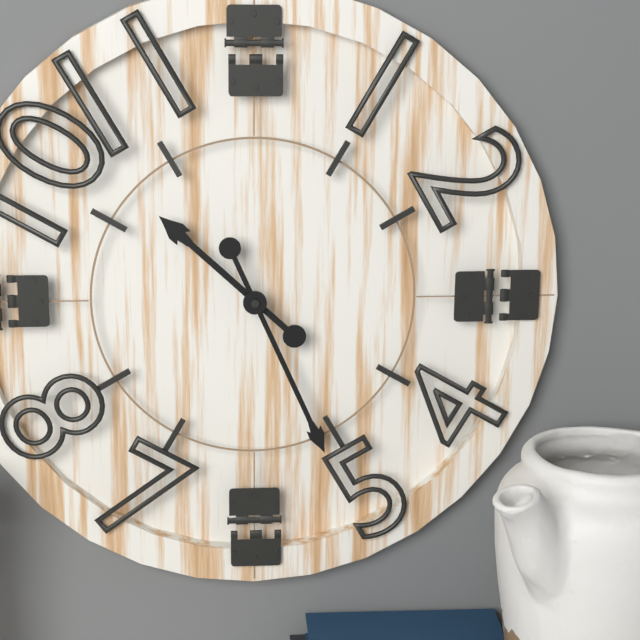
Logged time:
10,26
